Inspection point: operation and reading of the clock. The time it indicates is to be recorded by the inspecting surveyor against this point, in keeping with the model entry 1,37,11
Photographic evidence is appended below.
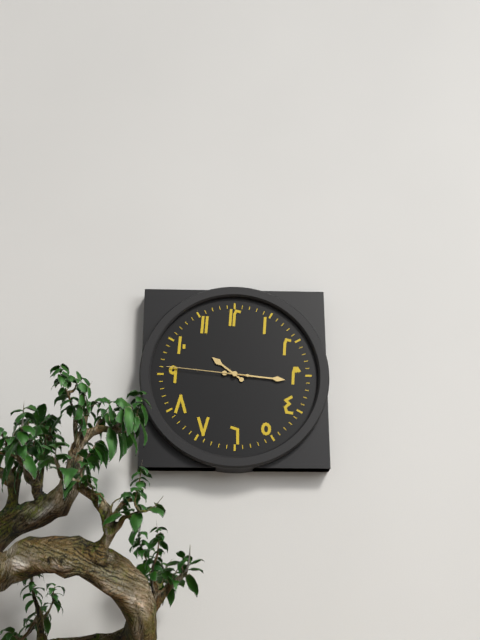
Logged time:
10,16,46
